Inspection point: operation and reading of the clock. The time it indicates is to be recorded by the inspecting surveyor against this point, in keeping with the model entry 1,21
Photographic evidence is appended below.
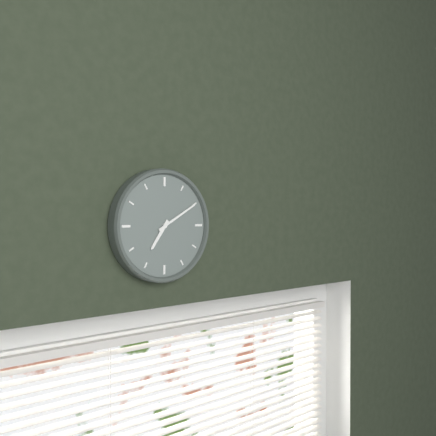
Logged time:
7,10
